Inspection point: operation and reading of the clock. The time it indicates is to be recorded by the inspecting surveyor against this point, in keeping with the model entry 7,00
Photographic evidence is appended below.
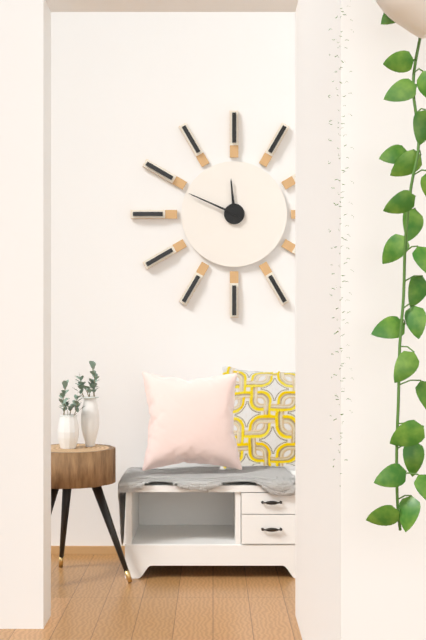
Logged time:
11,49
